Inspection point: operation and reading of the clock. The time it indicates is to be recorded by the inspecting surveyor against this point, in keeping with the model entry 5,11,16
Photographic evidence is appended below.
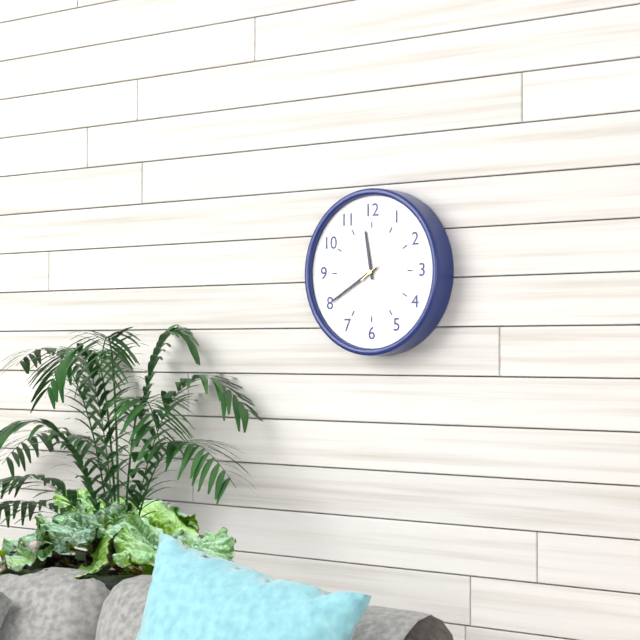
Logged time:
11,40,09
